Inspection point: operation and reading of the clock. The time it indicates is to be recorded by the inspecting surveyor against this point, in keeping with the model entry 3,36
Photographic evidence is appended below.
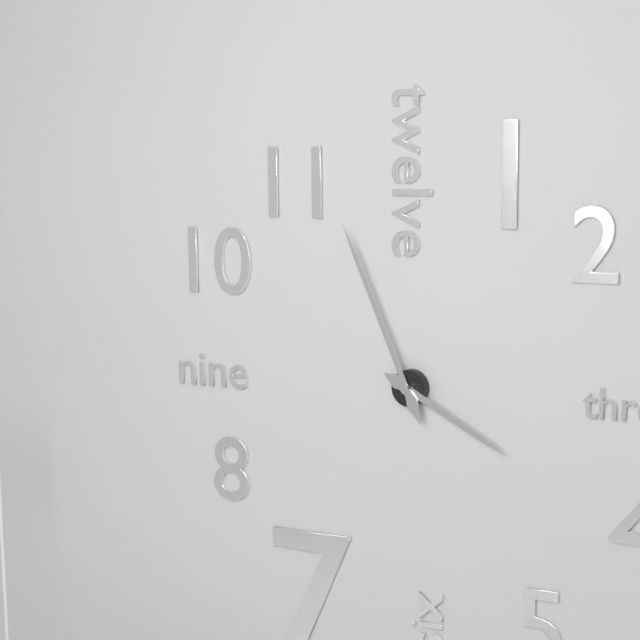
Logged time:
3,56
